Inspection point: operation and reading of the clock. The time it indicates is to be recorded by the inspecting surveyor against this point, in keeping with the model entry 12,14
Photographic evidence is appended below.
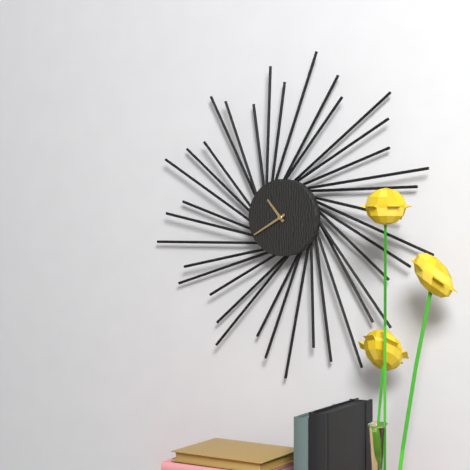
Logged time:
10,40
